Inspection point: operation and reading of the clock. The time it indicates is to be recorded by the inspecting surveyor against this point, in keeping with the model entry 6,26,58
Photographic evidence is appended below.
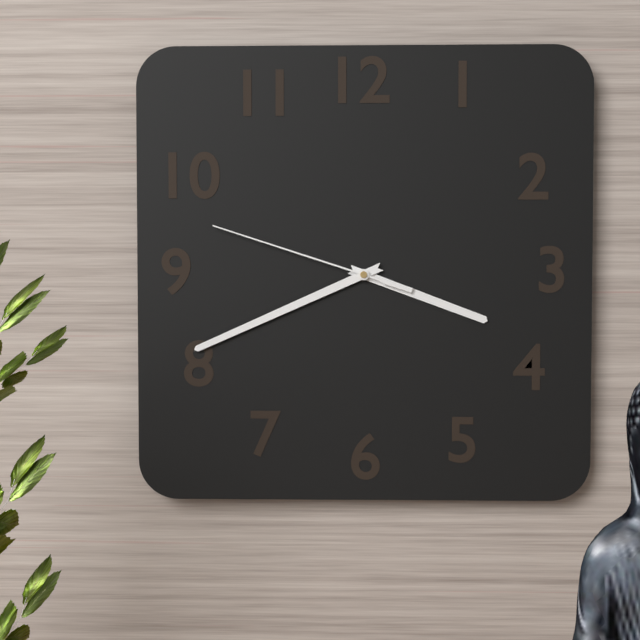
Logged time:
3,41,48
